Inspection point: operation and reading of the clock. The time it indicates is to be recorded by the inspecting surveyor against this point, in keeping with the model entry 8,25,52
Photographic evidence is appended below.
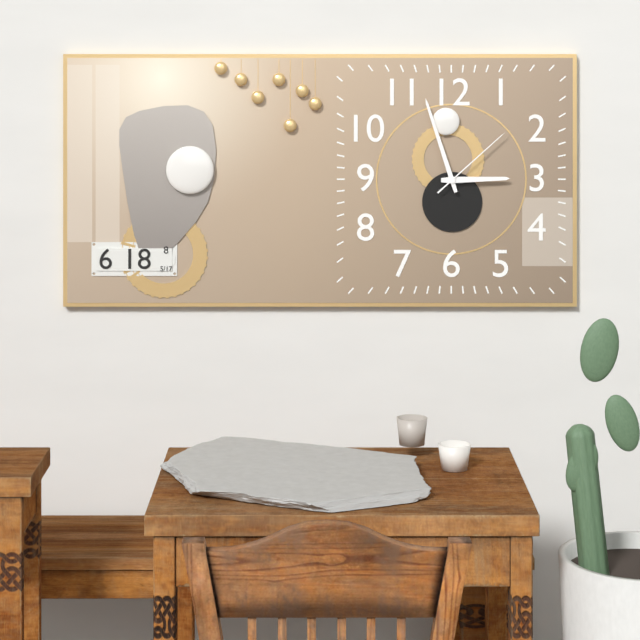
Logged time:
2,57,08
